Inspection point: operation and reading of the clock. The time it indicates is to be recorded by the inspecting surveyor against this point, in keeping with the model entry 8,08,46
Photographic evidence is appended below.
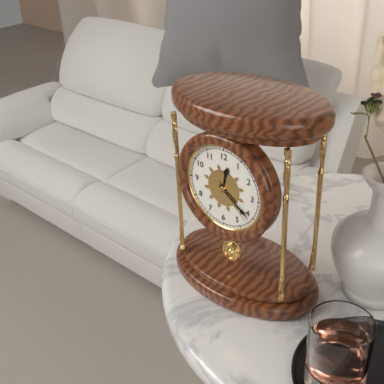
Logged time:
12,21,22
